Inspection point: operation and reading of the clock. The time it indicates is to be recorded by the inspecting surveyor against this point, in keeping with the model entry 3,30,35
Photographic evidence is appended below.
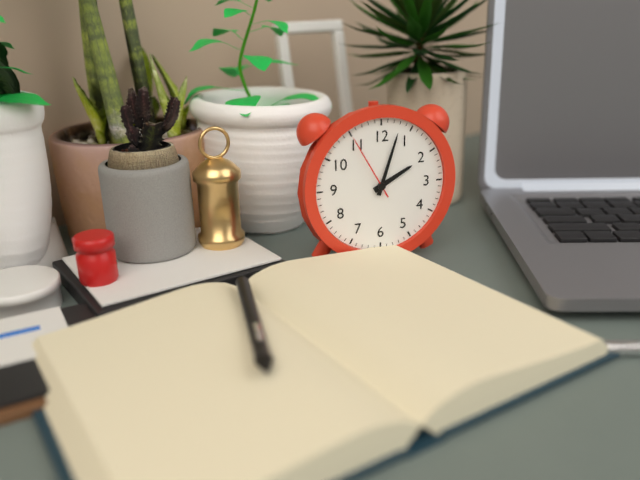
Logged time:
2,03,55
